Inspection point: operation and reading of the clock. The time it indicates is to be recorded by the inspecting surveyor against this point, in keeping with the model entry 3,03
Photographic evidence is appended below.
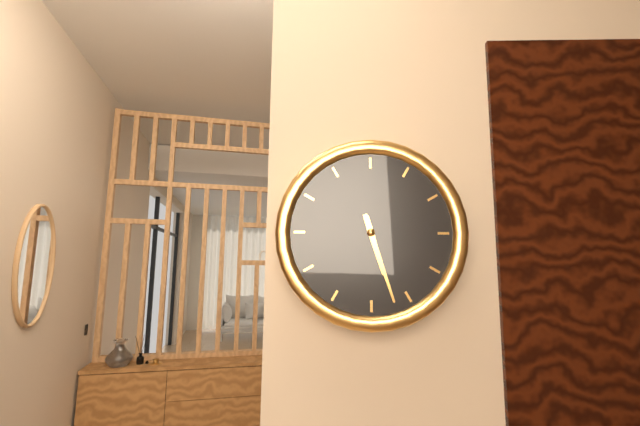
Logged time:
5,27
